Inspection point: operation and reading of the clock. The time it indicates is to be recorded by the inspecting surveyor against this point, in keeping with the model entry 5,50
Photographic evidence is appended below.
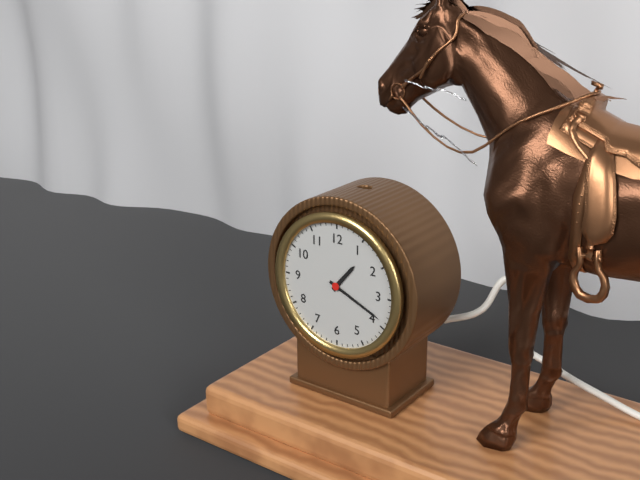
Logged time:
1,19
